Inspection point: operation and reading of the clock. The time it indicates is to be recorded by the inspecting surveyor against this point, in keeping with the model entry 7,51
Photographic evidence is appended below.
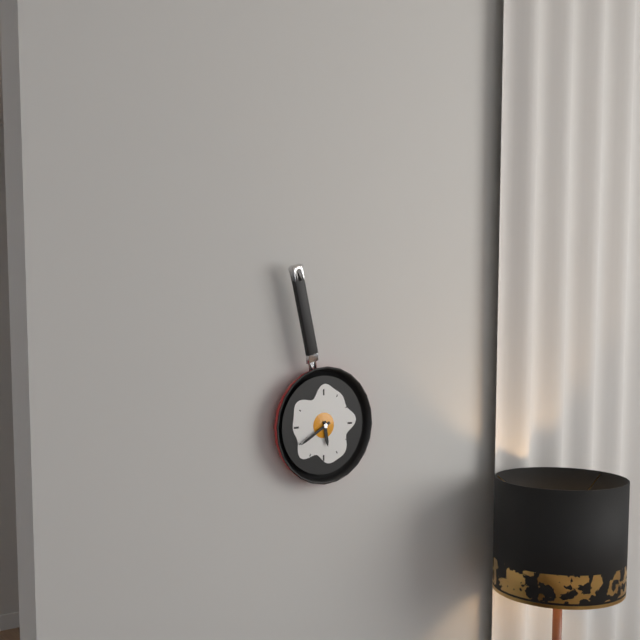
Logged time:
5,40
